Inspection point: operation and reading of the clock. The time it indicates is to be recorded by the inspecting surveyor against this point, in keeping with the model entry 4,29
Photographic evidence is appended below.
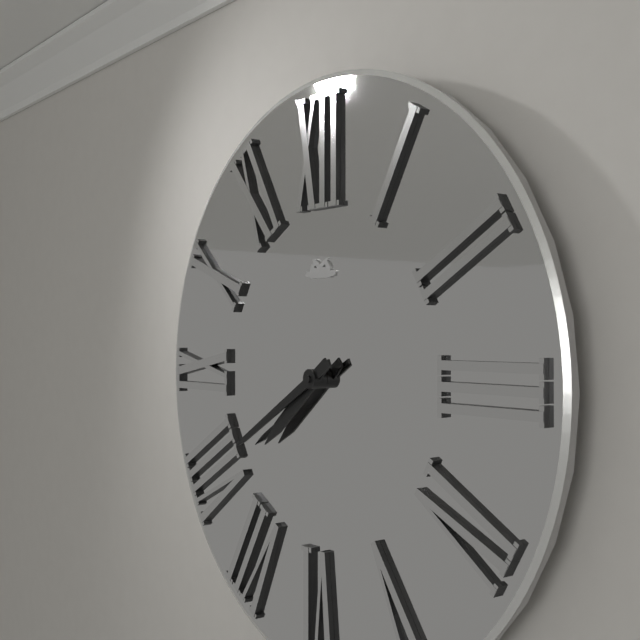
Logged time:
7,40
